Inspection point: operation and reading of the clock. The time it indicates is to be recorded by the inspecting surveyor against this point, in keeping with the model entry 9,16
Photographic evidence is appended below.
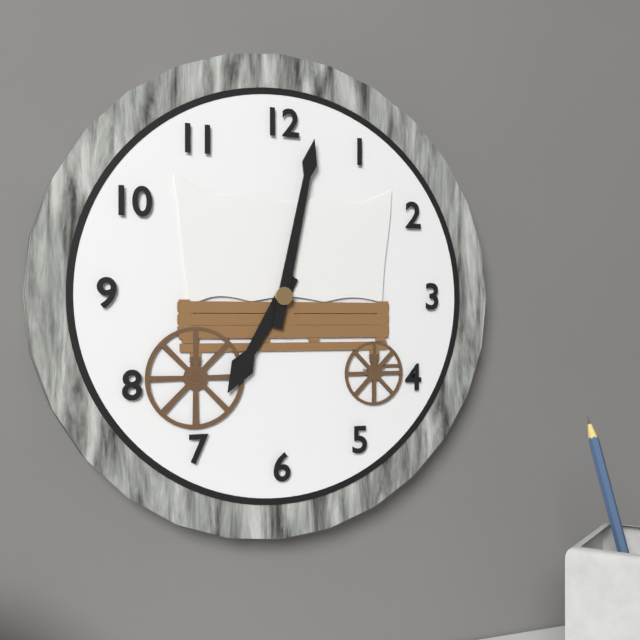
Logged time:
7,02
